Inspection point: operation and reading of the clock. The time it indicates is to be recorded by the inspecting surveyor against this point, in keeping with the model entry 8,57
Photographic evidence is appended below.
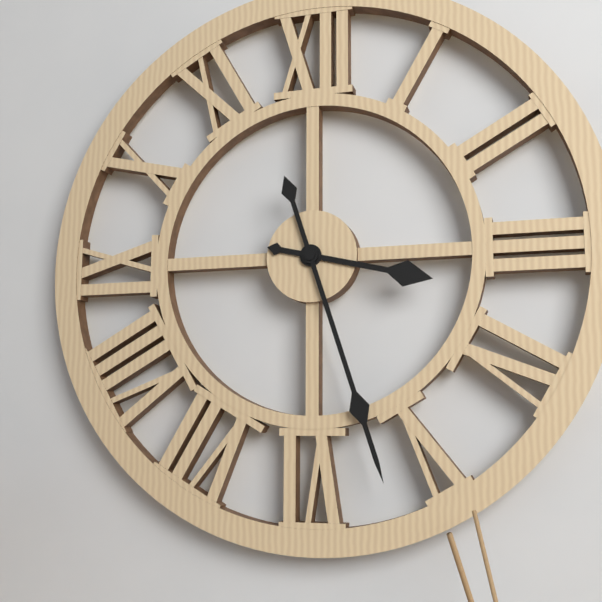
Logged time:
3,27
